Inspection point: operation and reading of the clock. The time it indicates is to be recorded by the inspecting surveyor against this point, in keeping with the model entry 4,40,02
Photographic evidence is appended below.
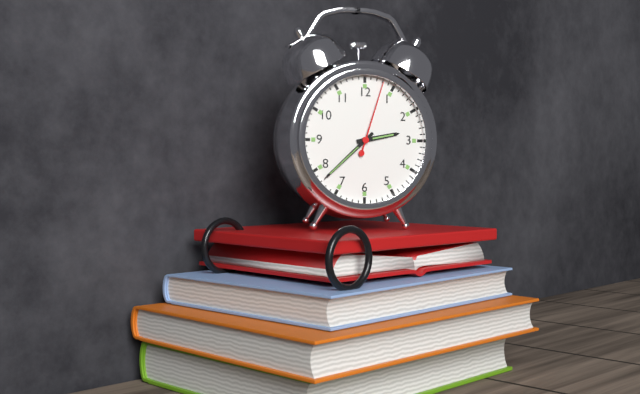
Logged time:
2,38,03
